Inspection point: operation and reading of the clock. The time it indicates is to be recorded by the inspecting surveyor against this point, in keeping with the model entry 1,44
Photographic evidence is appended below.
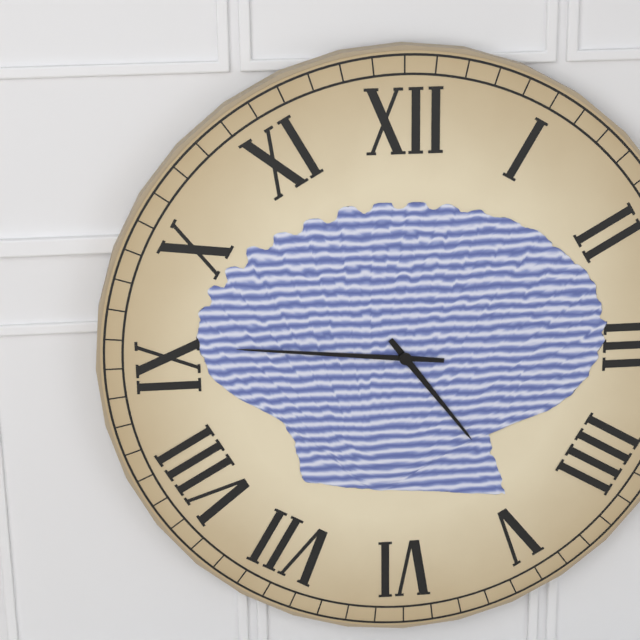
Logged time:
4,46
